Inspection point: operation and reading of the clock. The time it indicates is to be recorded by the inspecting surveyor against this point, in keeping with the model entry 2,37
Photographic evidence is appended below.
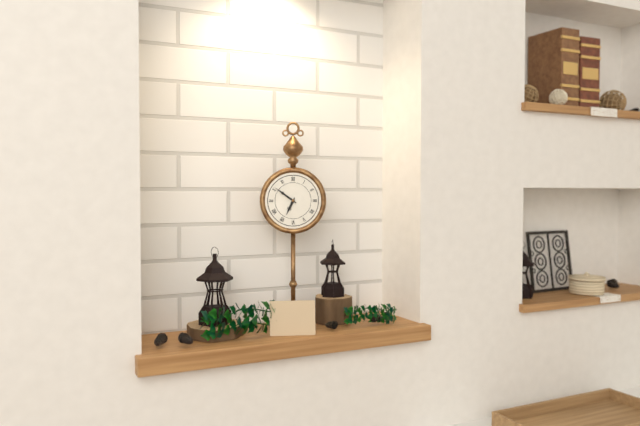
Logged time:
6,51
